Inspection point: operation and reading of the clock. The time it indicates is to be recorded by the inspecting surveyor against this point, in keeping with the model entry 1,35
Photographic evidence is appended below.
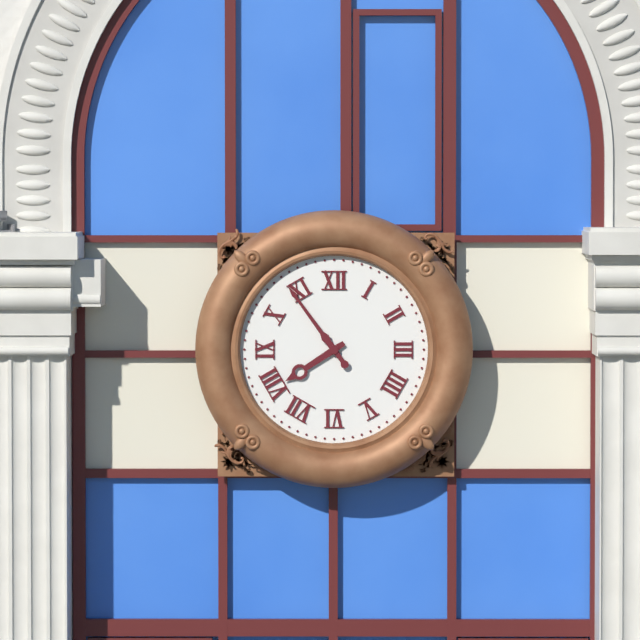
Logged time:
7,54
